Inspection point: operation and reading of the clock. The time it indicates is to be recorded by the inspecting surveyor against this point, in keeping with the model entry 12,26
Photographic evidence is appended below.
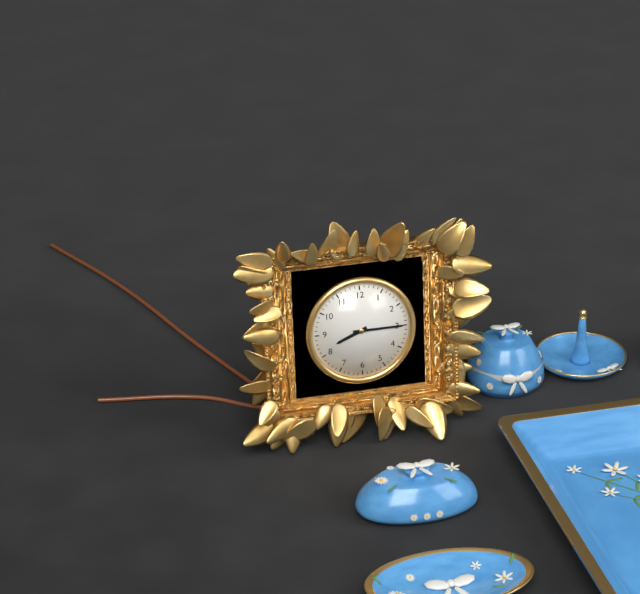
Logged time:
8,15
